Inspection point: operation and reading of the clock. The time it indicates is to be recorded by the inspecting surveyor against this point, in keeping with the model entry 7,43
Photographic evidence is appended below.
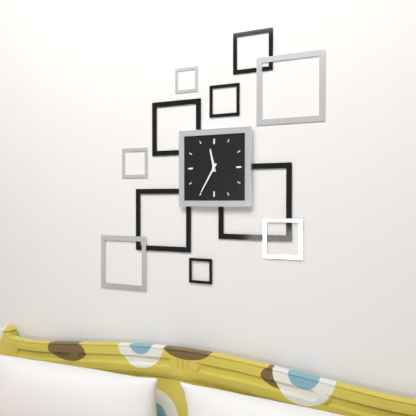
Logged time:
11,35
